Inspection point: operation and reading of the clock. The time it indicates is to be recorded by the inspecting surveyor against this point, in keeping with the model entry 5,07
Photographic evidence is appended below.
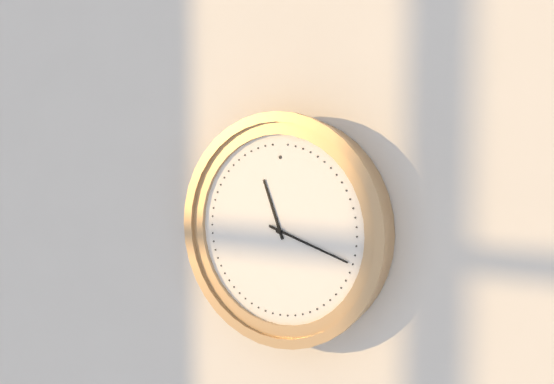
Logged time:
11,18
